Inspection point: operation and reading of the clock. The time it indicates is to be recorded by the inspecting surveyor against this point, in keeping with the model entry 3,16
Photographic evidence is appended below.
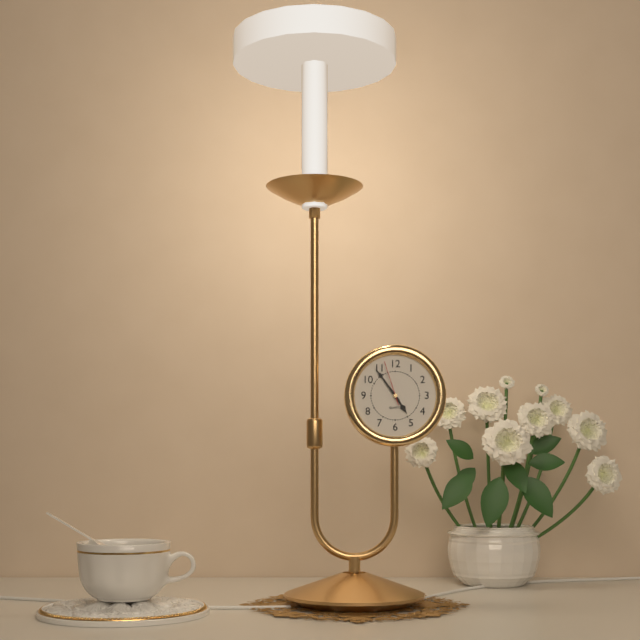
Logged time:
4,54
